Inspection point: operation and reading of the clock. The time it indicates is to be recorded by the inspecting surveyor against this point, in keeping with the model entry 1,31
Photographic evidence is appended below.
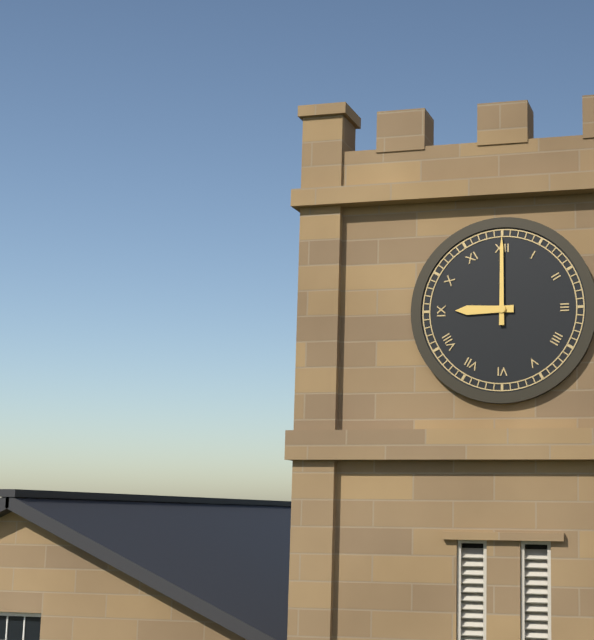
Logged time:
9,00
